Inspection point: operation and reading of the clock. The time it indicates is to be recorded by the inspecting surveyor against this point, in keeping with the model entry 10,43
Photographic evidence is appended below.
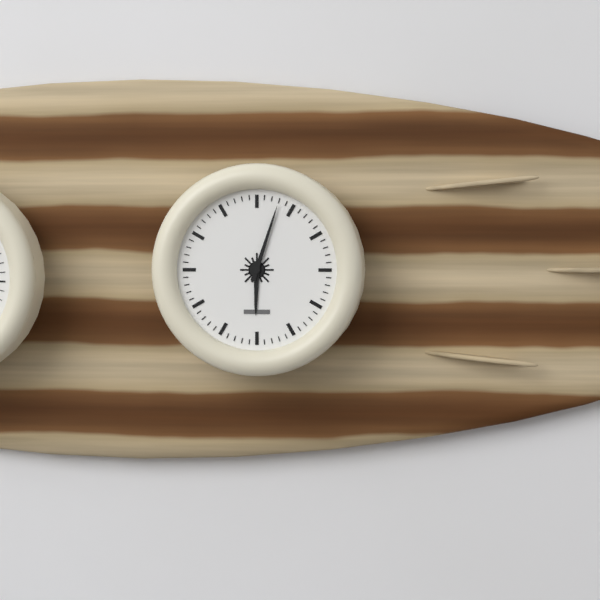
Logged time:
6,03
